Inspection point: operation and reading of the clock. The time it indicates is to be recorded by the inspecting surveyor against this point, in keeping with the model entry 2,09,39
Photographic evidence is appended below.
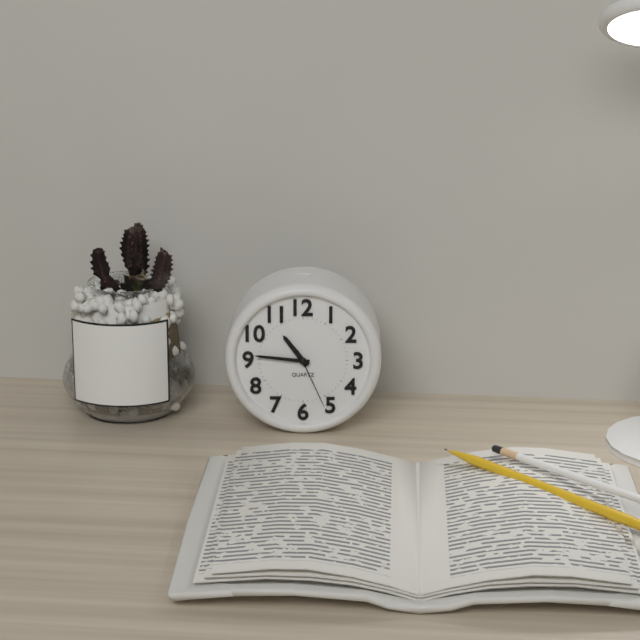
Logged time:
10,46,26
